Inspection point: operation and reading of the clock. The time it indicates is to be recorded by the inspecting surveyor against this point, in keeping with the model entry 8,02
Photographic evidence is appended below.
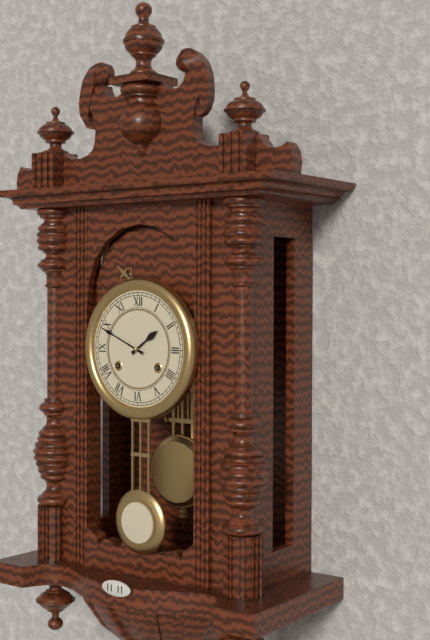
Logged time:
1,49
